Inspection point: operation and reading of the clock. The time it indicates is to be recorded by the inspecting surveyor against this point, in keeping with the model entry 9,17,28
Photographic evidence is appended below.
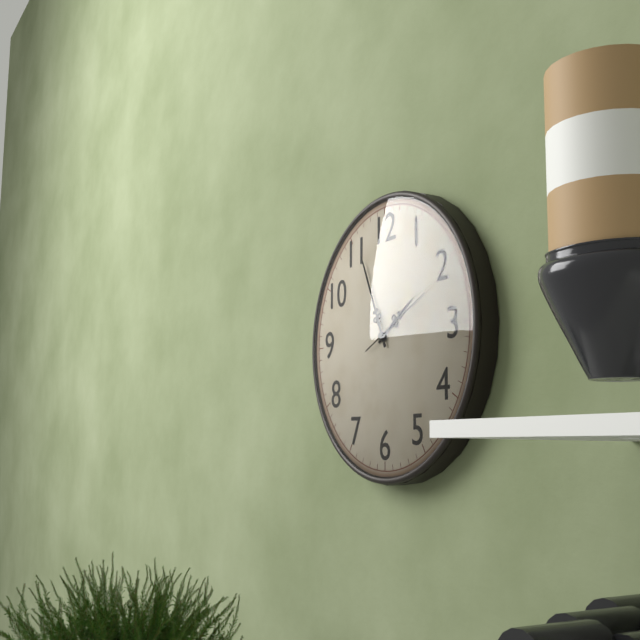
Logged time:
1,56,11
